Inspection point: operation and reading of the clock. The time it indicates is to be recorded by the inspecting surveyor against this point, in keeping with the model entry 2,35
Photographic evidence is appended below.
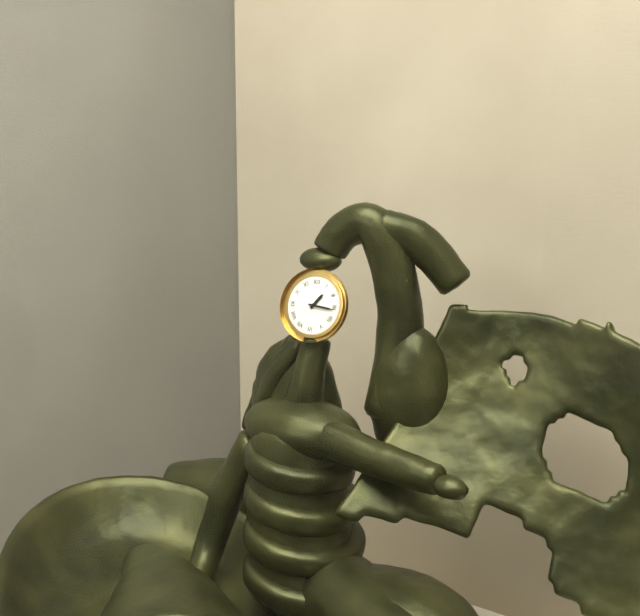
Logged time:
1,16
